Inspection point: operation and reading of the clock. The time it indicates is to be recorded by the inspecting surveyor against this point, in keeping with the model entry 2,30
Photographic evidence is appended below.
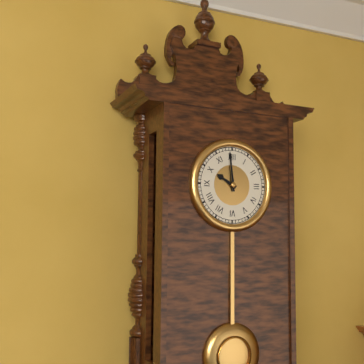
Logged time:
9,59
